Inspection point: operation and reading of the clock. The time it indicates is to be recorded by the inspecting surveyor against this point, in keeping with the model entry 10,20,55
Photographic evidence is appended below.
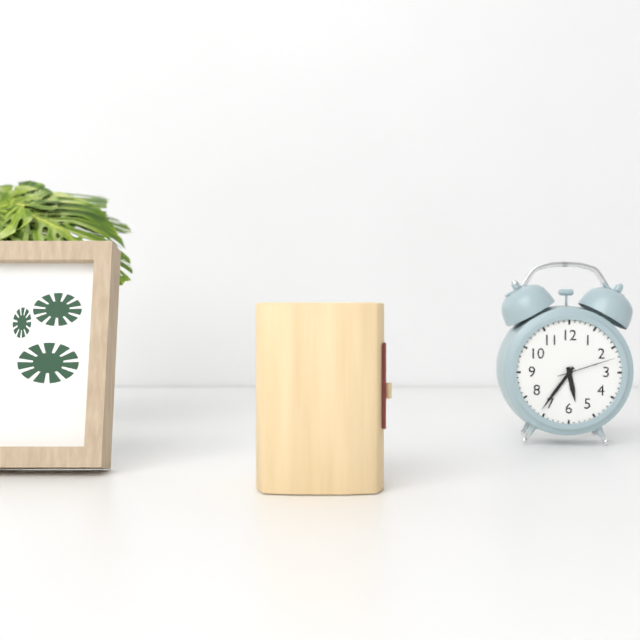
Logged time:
5,36,12
